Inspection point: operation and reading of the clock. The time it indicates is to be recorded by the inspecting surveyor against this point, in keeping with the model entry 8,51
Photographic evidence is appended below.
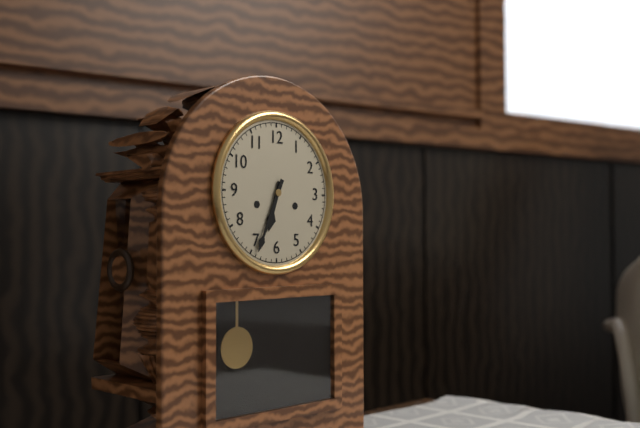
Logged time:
6,34
